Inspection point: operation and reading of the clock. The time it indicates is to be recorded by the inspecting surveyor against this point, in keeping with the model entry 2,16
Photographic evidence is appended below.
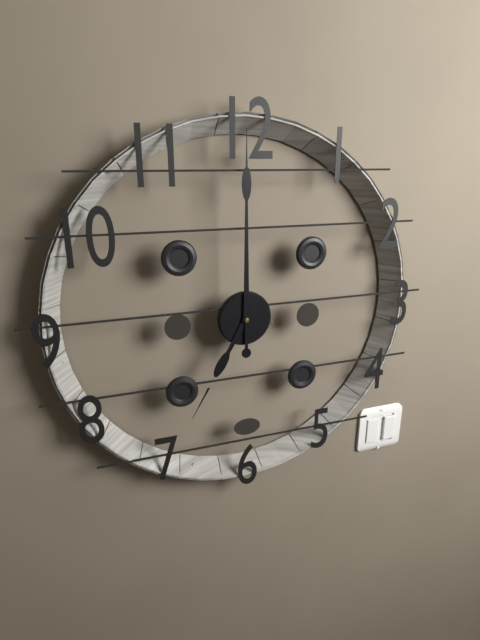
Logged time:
7,00
